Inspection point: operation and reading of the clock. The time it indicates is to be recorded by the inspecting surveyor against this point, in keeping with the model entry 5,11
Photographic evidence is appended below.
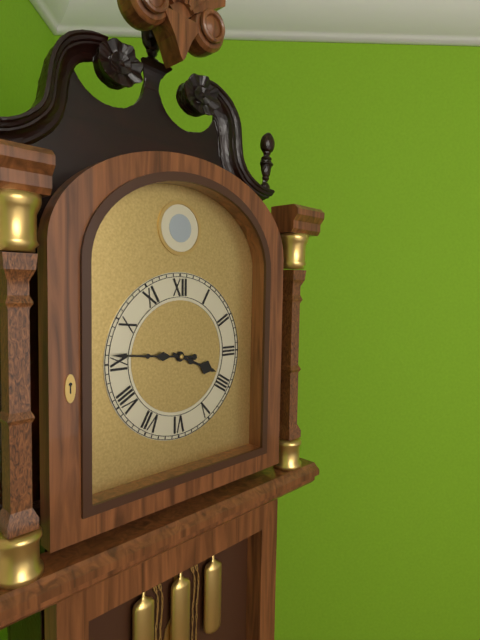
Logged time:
3,46
